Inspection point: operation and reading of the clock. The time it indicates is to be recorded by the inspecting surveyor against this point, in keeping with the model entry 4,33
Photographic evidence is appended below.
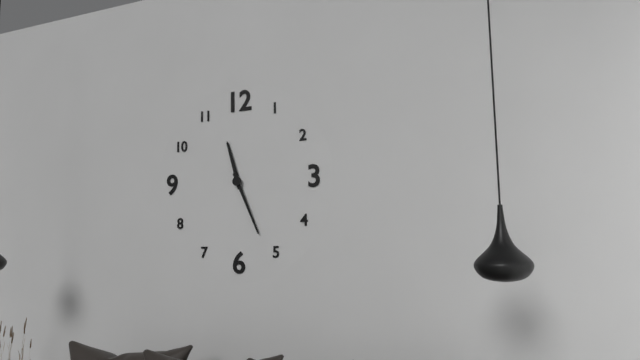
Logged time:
11,26
